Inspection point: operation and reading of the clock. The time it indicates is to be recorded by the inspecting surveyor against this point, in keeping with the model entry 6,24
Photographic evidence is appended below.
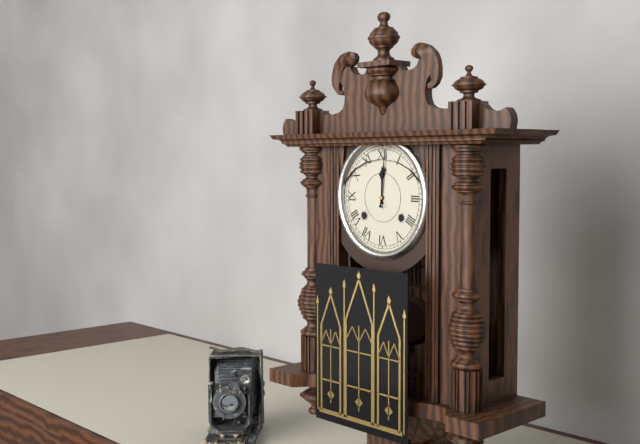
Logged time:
12,01
